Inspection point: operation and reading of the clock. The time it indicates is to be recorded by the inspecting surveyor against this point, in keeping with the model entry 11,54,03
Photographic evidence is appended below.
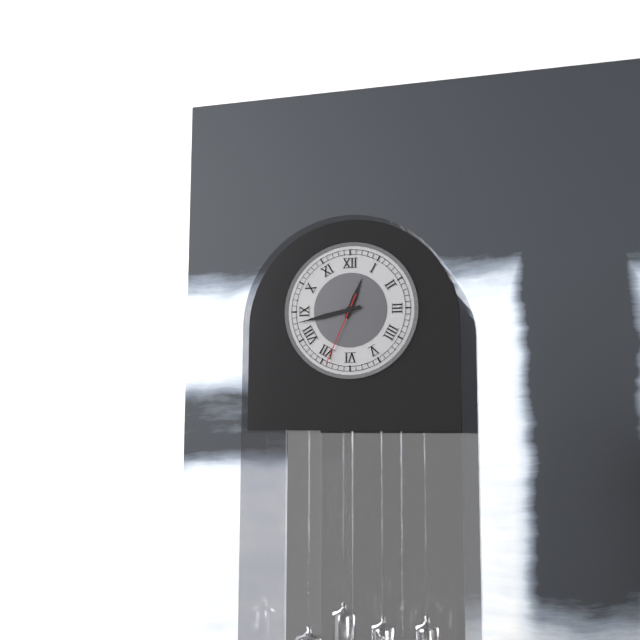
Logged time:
12,43,34
